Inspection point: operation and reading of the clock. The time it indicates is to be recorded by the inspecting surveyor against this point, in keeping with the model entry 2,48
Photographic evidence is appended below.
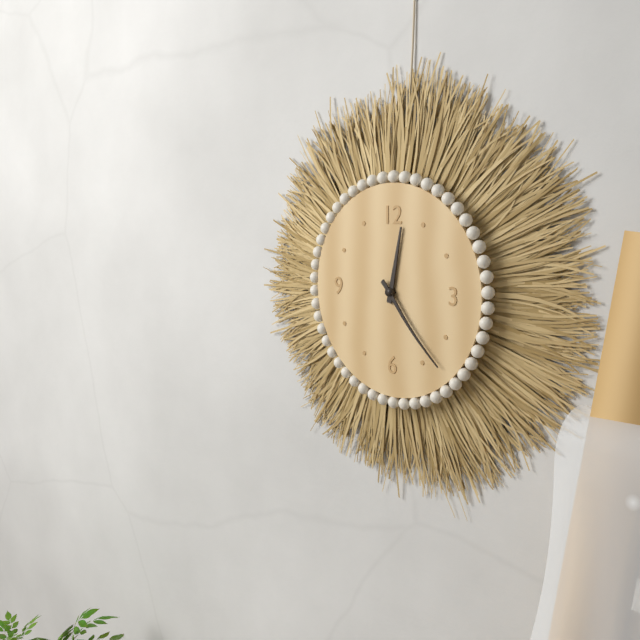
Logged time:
12,23
